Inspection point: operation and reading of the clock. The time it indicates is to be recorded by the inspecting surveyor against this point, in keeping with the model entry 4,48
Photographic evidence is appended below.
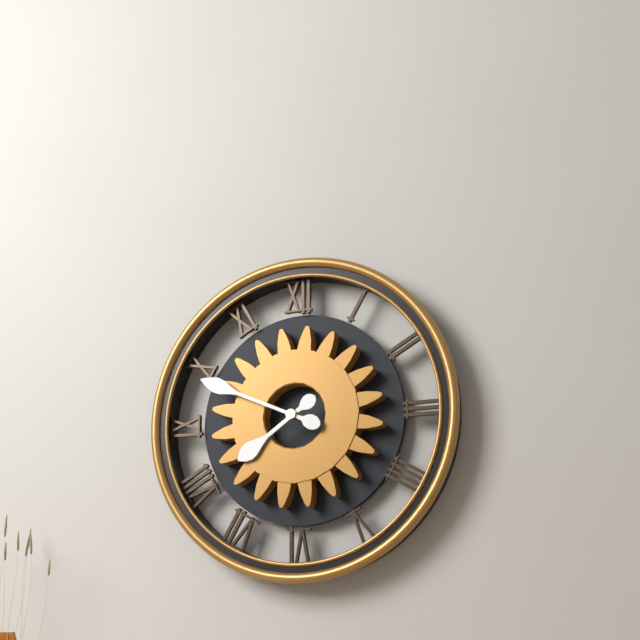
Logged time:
7,49
